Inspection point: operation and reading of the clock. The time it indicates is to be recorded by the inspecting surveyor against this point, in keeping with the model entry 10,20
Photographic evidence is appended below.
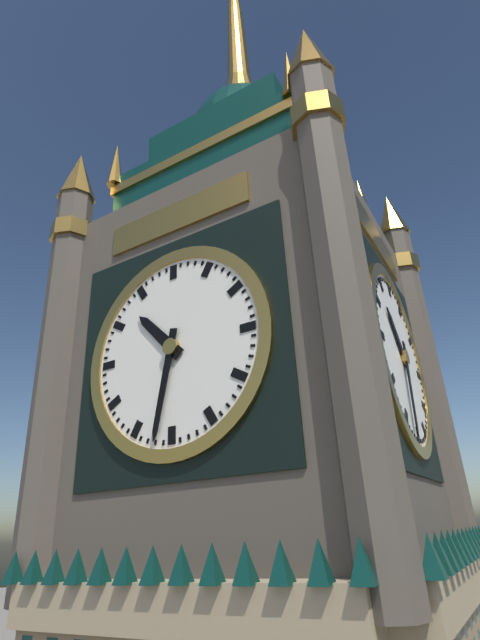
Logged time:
10,32
